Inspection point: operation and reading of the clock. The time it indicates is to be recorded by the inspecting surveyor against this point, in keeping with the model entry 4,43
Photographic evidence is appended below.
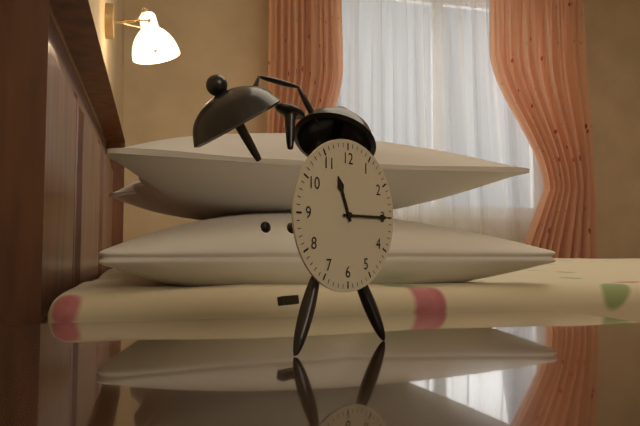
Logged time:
11,15
